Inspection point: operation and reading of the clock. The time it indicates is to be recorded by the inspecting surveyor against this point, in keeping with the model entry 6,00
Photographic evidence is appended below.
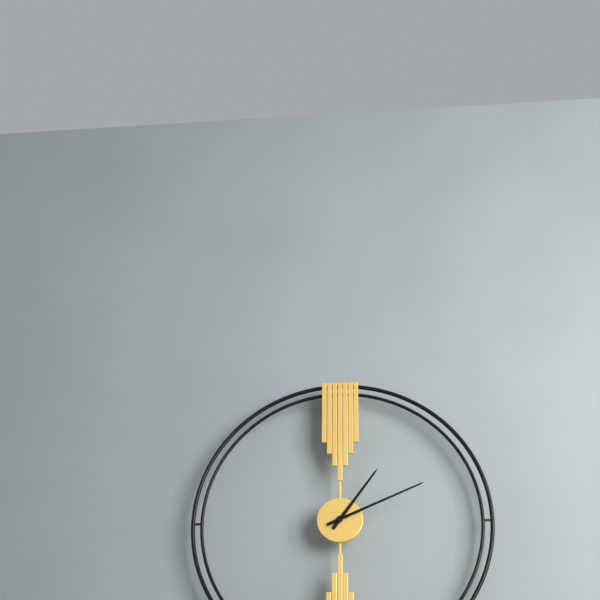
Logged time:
1,11
